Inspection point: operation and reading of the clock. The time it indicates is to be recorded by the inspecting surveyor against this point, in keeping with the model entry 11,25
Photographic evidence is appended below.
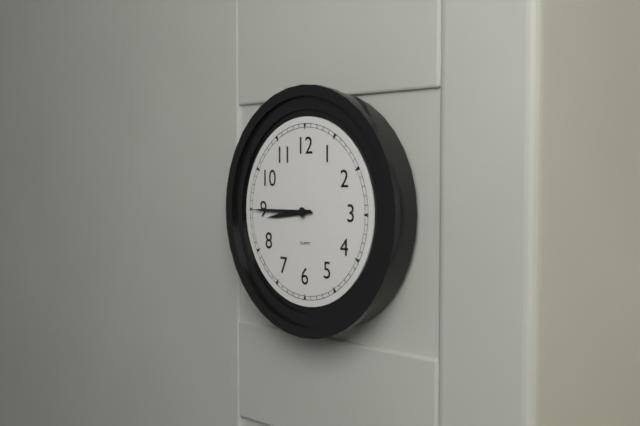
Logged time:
8,45
